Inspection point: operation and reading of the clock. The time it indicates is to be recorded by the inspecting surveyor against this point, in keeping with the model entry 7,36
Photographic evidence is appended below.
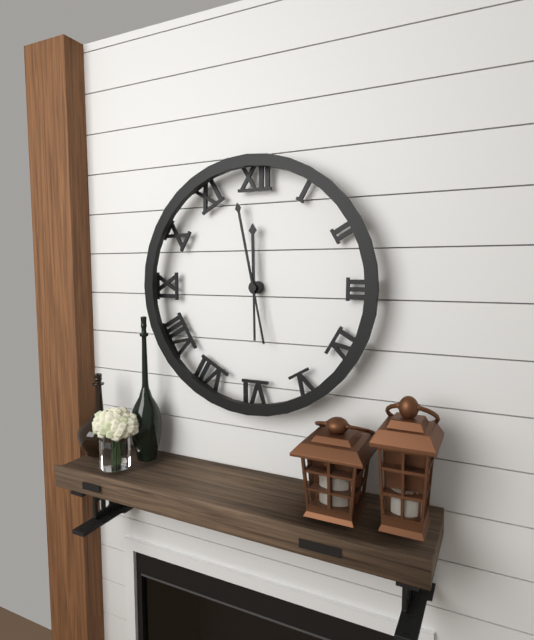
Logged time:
11,58
